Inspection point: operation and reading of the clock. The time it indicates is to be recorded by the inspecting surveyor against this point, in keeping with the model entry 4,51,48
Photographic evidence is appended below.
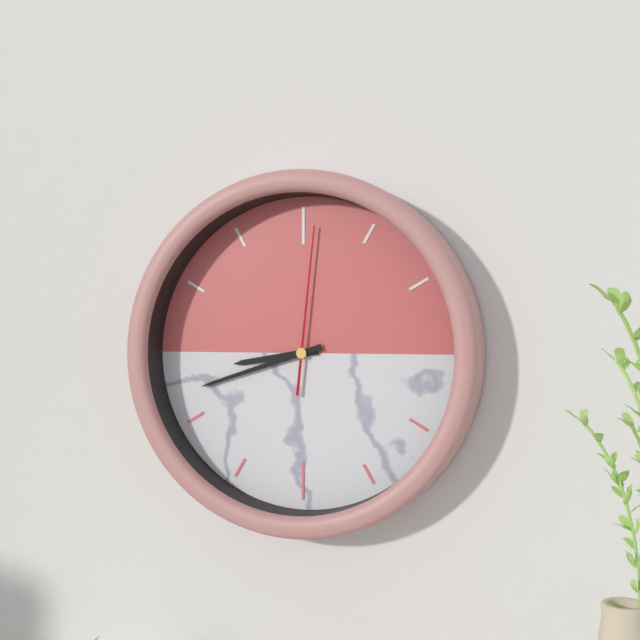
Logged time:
8,42,01
